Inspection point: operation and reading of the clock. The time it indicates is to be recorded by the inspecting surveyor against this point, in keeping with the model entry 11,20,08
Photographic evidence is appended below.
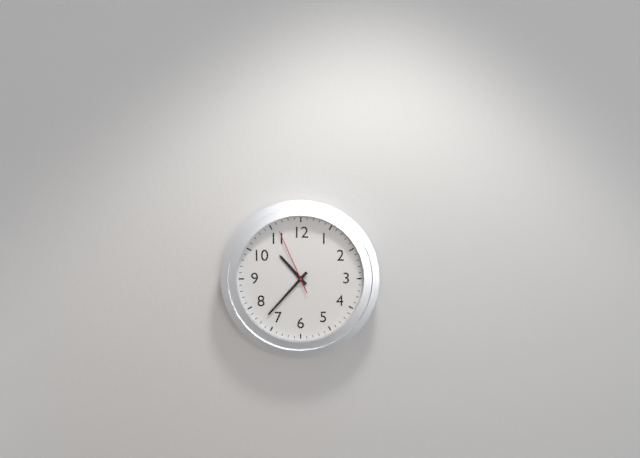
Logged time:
10,37,56
